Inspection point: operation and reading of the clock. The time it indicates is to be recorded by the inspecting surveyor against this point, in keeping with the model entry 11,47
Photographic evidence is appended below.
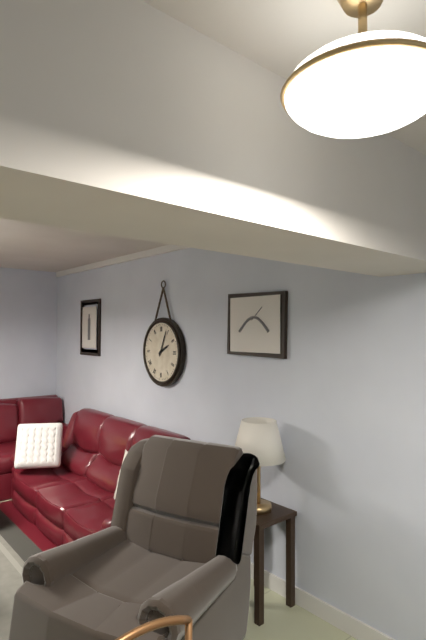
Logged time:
2,04
